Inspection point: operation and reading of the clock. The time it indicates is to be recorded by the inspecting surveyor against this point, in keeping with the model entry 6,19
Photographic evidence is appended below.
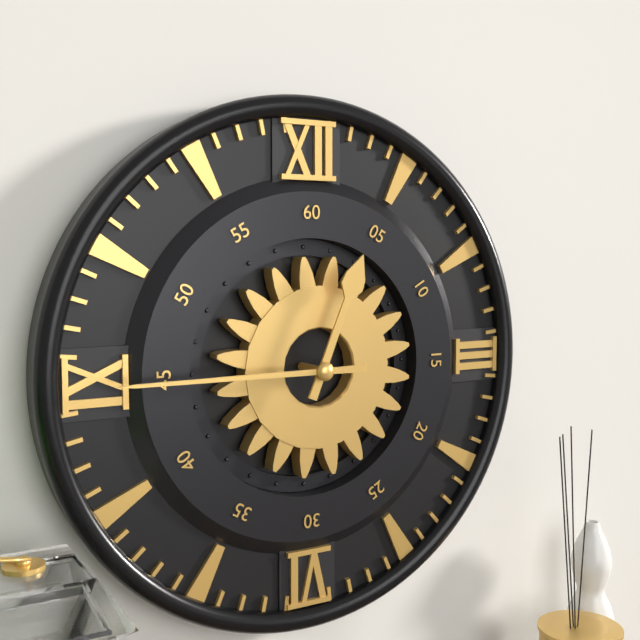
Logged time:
12,45
